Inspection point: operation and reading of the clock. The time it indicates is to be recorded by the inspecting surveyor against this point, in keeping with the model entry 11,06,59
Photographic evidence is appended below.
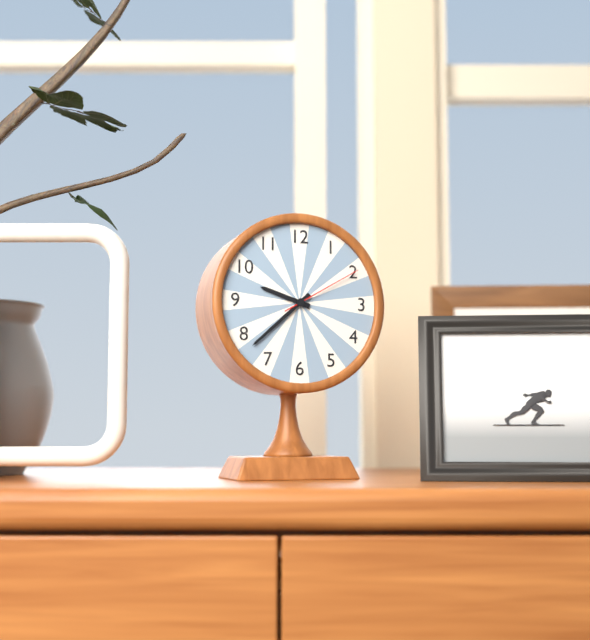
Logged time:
9,38,10
